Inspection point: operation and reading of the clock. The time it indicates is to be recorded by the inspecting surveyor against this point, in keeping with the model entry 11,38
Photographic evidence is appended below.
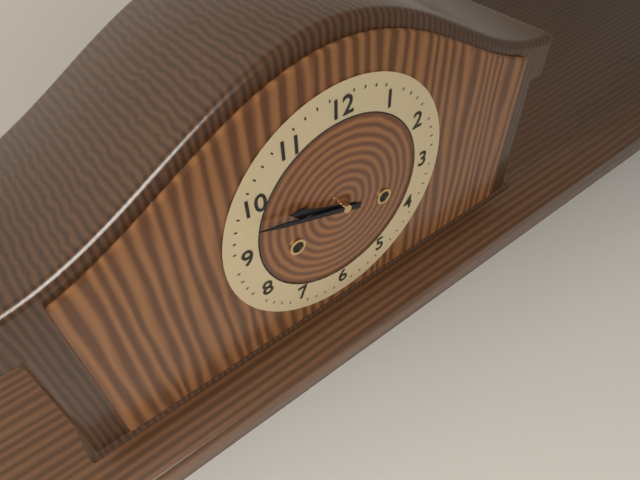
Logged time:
9,48
